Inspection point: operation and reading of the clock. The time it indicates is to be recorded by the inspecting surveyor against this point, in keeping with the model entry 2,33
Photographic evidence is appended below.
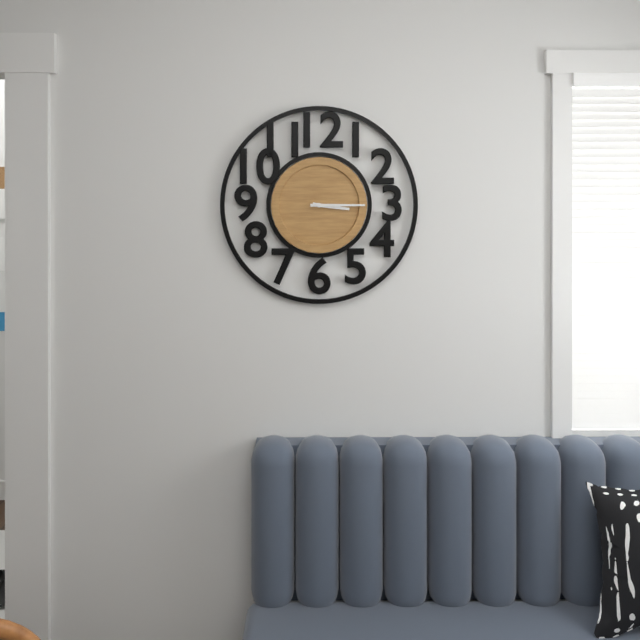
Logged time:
3,15
